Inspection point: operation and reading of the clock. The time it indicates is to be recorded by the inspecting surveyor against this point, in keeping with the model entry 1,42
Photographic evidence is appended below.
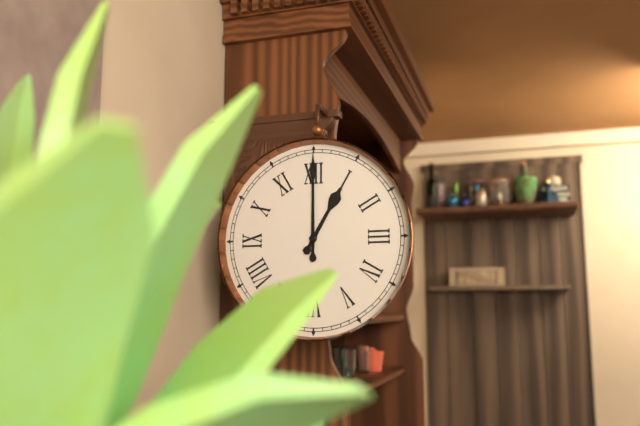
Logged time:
1,00
